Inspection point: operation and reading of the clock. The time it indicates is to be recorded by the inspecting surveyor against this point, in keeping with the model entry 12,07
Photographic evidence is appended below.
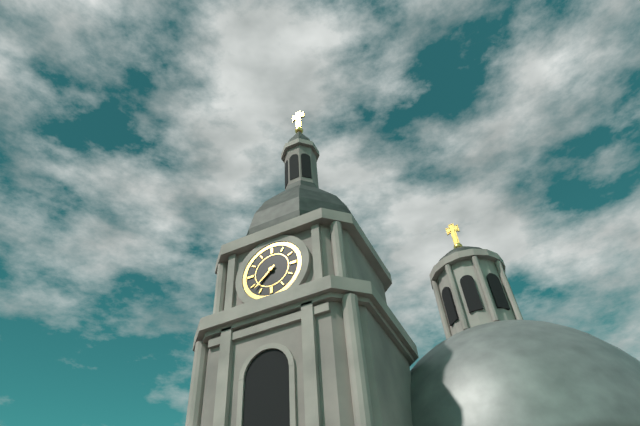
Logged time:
7,38
